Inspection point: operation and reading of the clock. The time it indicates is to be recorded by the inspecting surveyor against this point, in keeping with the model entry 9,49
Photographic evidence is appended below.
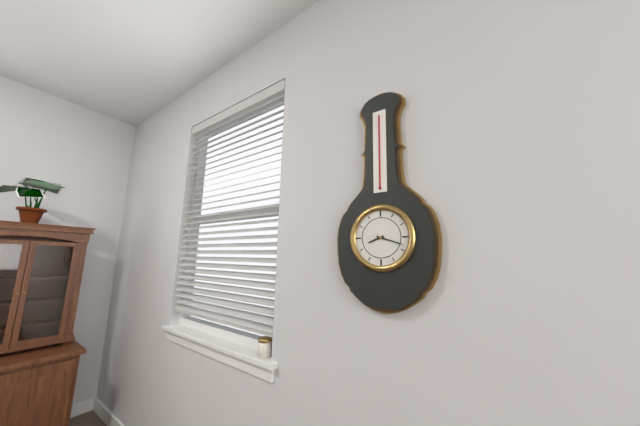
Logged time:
8,18
